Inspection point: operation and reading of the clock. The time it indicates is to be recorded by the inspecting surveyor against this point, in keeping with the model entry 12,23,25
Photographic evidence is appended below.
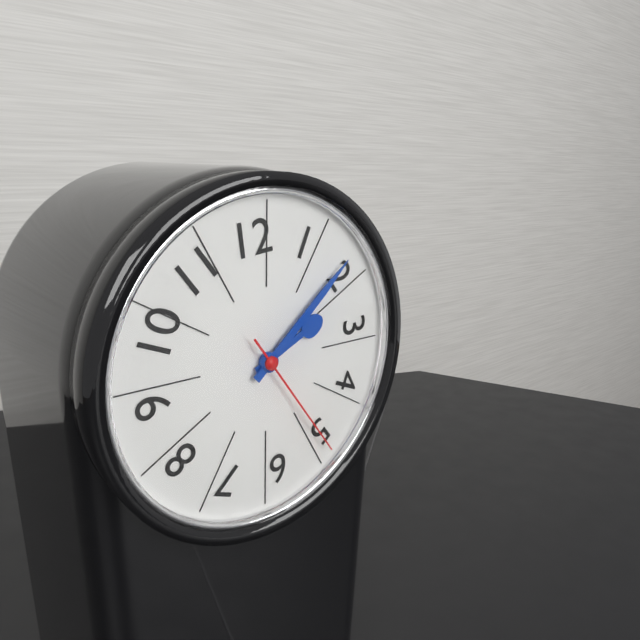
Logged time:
2,08,24
